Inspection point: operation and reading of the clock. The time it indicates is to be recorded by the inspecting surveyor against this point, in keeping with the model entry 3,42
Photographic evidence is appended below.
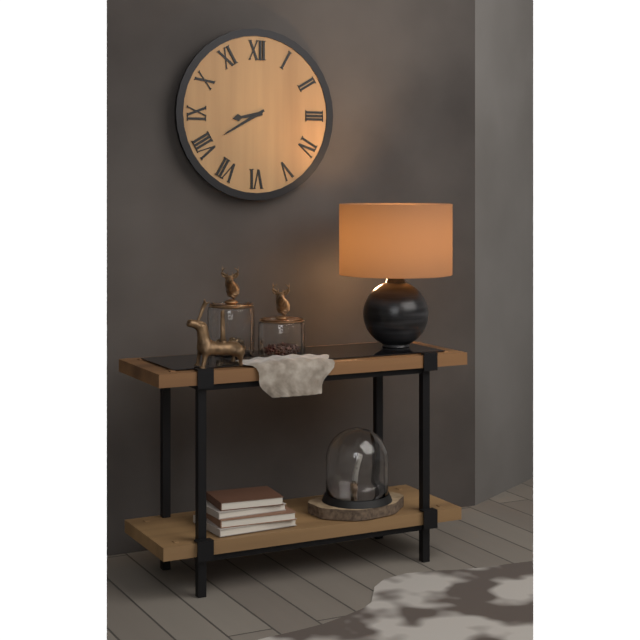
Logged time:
8,40
